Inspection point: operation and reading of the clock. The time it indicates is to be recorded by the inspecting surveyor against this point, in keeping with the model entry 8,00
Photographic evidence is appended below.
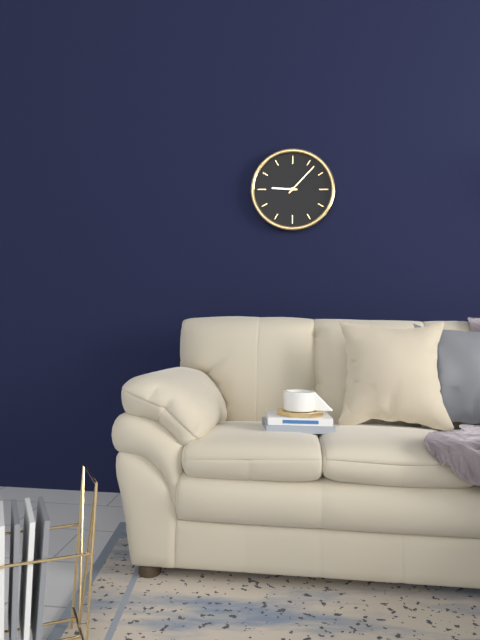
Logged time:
9,07
